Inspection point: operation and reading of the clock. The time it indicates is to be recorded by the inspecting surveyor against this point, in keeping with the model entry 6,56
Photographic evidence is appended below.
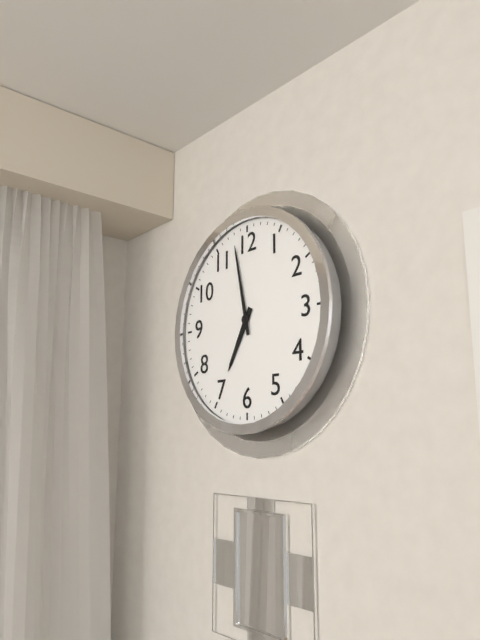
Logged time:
6,58
